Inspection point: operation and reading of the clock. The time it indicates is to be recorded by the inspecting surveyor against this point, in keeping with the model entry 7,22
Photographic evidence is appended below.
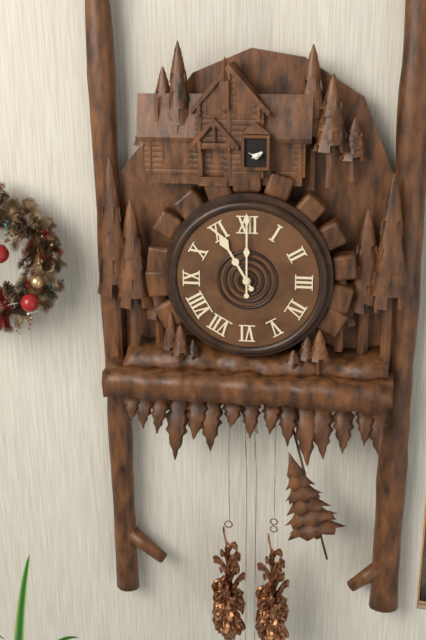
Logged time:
11,00
